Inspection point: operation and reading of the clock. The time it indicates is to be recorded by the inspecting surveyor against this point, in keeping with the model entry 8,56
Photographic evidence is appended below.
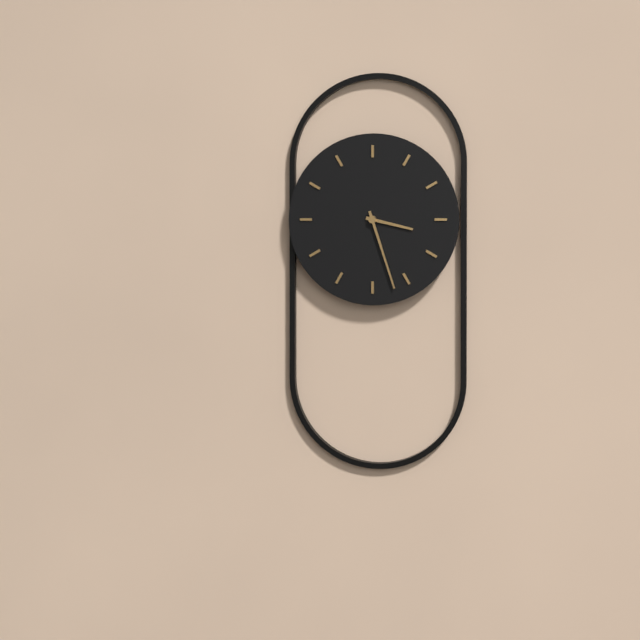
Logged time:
3,27
